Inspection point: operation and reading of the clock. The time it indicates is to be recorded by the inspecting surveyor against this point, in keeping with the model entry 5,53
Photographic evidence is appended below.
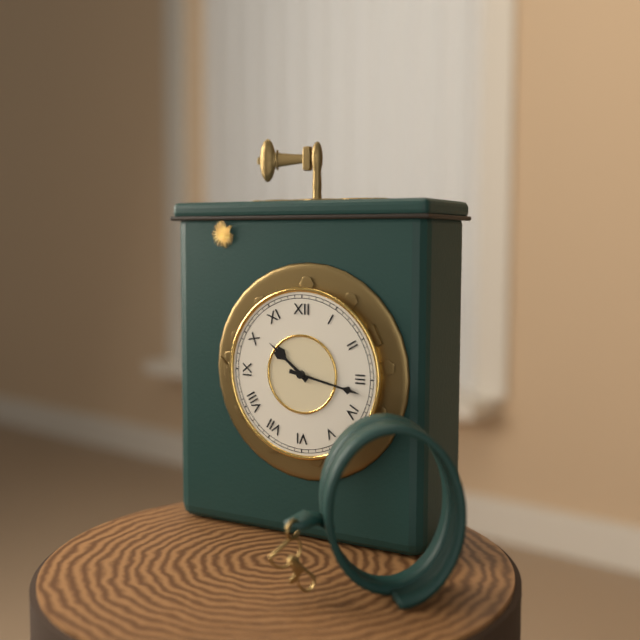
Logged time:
10,17
